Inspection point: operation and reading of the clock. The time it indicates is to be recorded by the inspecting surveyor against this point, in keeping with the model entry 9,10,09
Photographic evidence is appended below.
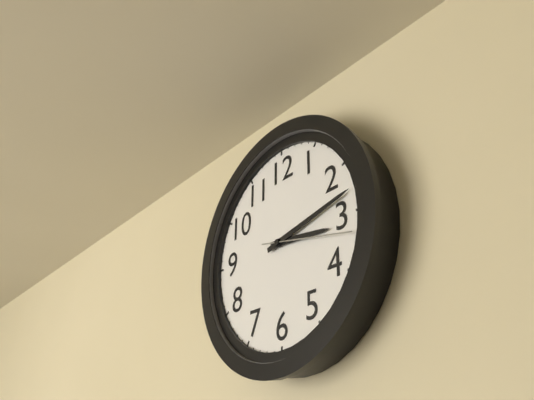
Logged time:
3,13,17
